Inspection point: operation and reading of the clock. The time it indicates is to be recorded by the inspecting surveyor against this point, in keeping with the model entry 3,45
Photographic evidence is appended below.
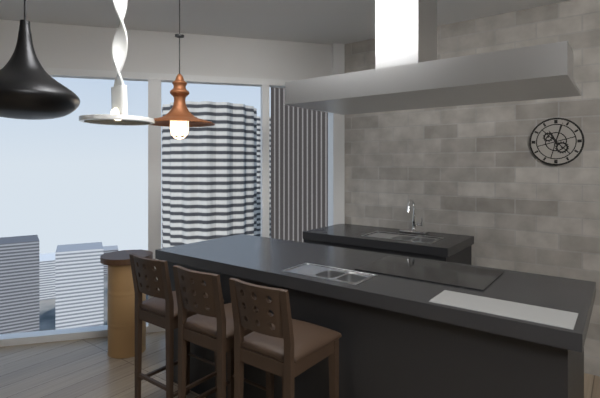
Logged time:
11,03
